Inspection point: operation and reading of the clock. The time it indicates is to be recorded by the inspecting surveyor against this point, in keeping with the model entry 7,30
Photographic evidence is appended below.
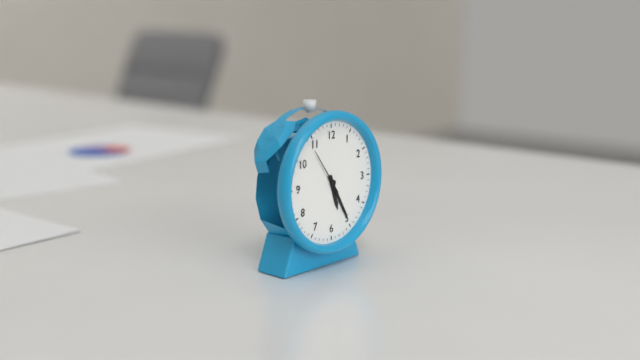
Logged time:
5,25
